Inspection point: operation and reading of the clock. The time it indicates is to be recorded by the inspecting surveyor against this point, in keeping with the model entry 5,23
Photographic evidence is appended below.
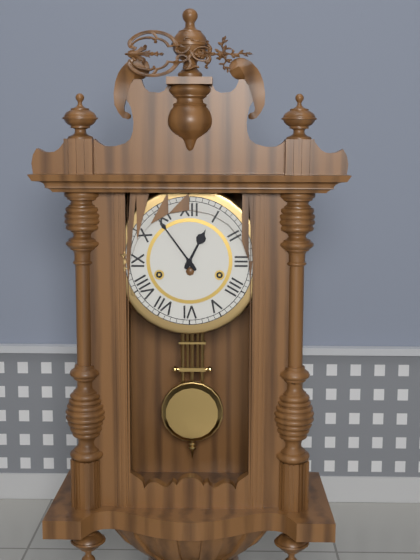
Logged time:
12,54
